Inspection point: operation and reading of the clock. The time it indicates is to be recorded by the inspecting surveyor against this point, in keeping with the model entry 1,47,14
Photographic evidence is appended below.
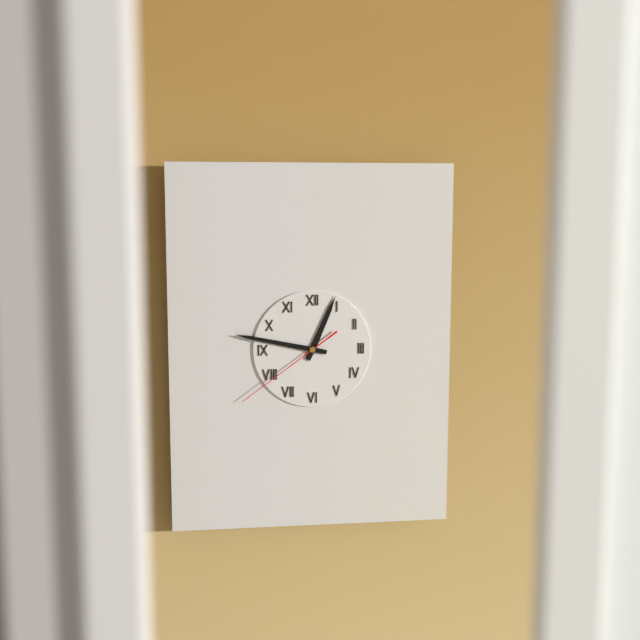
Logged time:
12,47,39
